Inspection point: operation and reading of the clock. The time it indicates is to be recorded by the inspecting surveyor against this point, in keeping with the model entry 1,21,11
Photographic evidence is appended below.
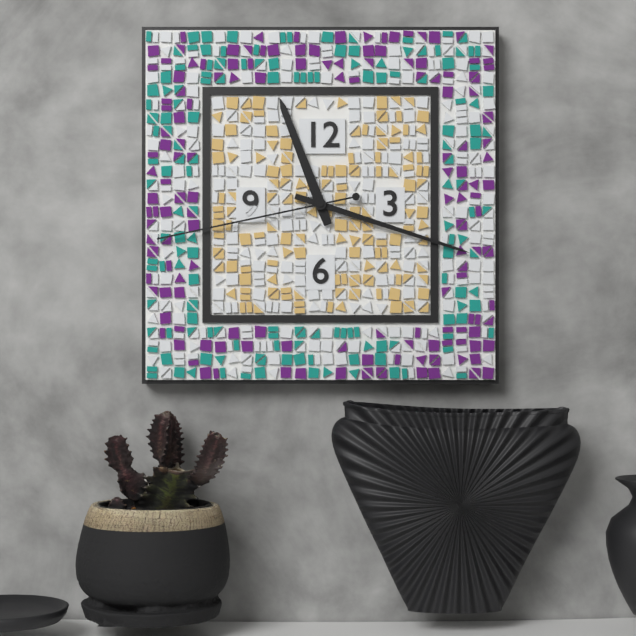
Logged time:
11,18,43
